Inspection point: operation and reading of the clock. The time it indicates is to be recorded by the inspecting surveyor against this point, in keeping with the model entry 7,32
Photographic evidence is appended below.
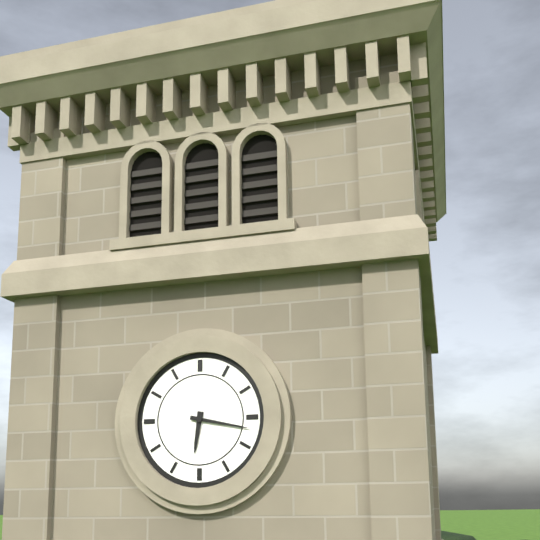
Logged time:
6,17
